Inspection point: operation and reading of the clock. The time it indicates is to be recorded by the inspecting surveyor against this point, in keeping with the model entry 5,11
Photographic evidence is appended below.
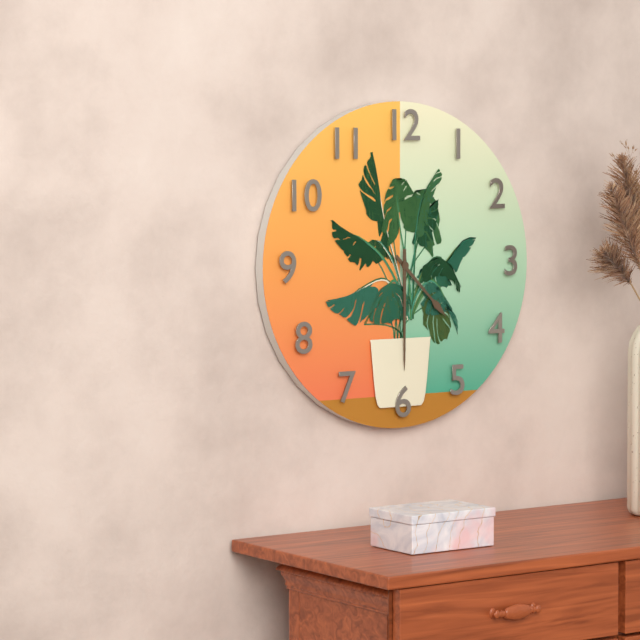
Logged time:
4,30
